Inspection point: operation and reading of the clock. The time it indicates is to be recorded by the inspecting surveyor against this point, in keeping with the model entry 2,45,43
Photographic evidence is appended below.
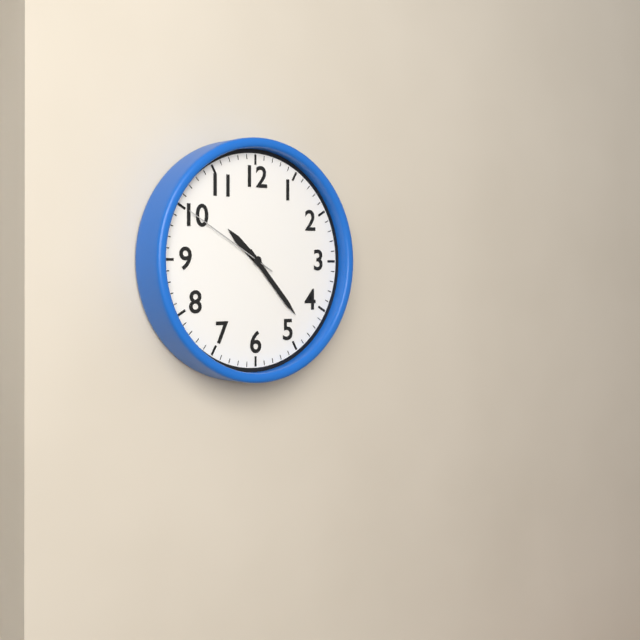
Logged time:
10,23,50
